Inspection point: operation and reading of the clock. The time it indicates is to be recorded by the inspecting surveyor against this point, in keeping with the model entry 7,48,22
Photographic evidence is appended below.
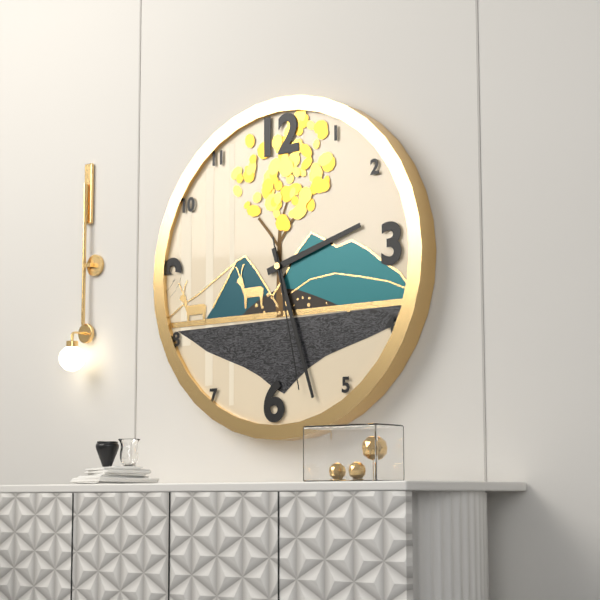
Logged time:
2,27,28
